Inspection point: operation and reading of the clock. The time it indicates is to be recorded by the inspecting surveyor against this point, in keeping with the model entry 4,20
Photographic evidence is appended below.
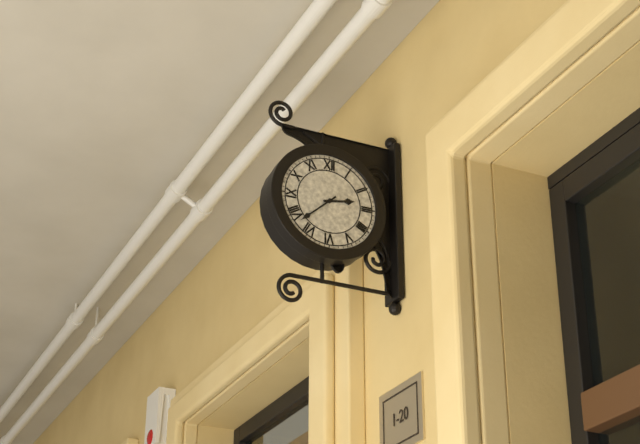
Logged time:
2,38
